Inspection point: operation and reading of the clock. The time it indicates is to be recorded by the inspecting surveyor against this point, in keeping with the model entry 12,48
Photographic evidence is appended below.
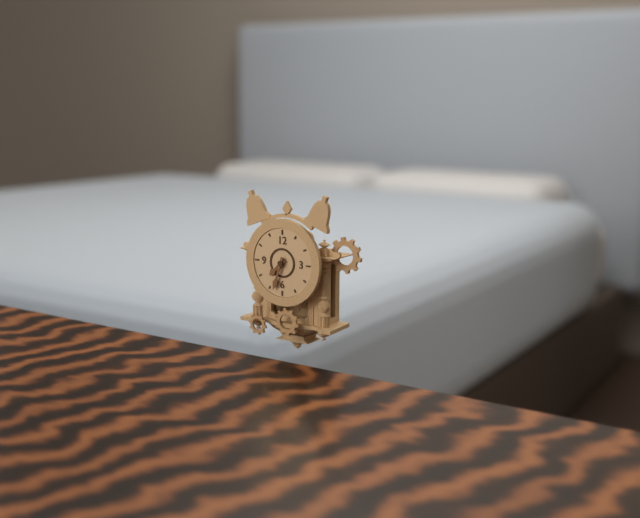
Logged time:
7,33
